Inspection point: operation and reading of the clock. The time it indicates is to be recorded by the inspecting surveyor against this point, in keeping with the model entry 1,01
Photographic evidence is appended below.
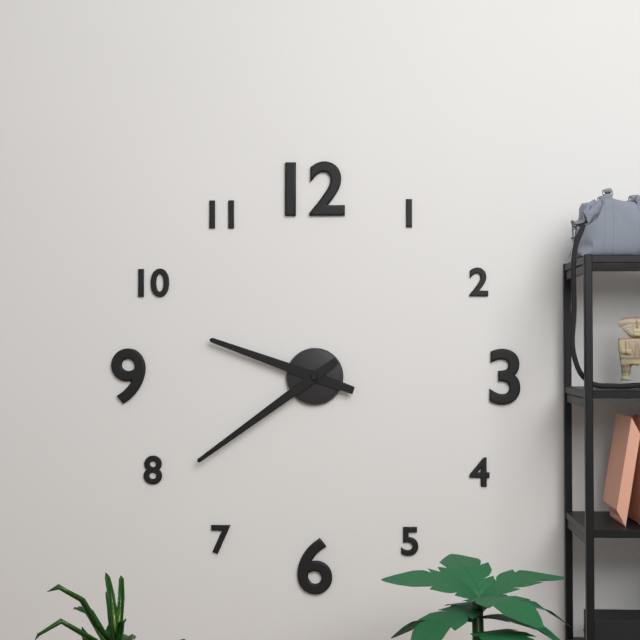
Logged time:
9,39
